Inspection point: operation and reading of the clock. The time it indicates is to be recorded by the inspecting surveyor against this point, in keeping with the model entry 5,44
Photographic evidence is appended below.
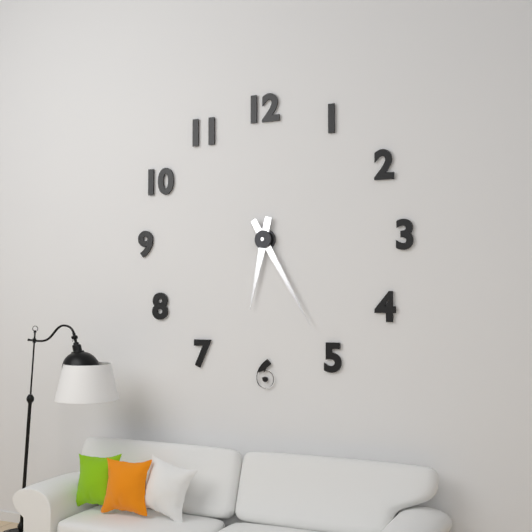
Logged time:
6,25
